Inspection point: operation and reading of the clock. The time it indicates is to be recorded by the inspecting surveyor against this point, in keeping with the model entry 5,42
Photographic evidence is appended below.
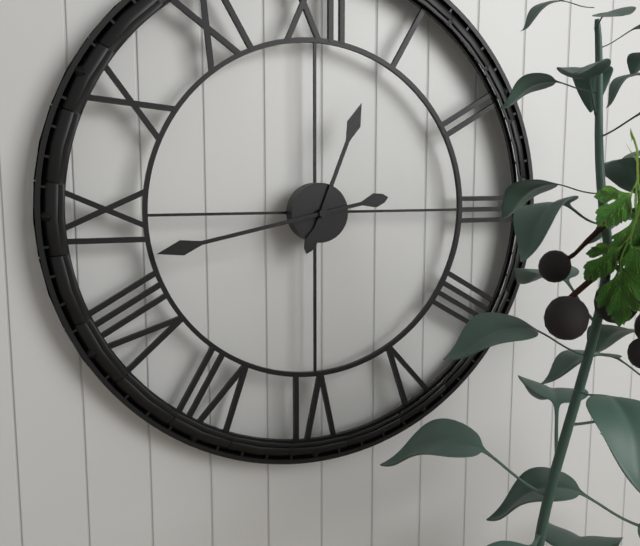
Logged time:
12,43
